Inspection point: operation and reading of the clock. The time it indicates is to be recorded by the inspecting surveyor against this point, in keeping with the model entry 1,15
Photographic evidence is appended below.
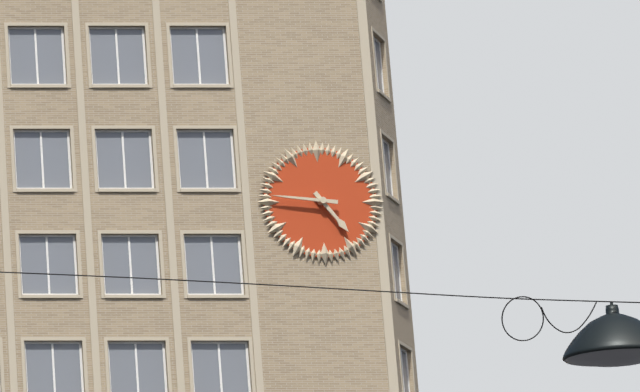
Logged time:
4,46
